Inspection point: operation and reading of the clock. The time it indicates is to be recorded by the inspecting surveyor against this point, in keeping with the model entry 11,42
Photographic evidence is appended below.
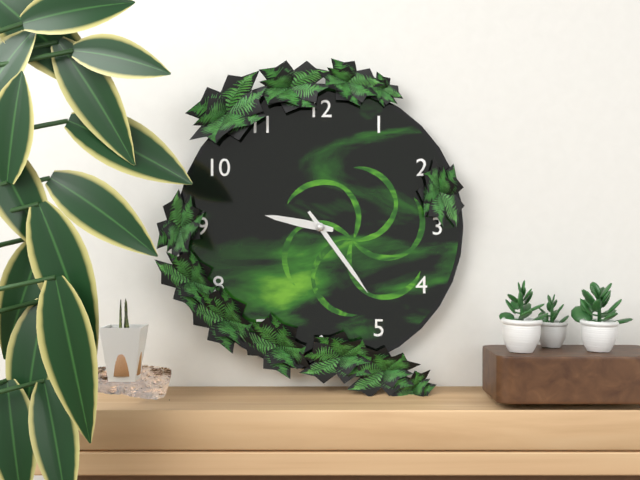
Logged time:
9,24
